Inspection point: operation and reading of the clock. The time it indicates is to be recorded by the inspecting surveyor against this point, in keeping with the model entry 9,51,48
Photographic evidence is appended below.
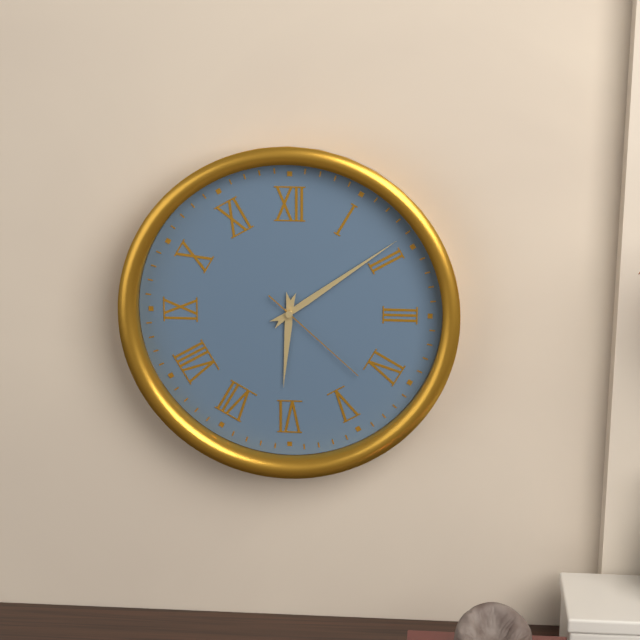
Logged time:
6,09,22
